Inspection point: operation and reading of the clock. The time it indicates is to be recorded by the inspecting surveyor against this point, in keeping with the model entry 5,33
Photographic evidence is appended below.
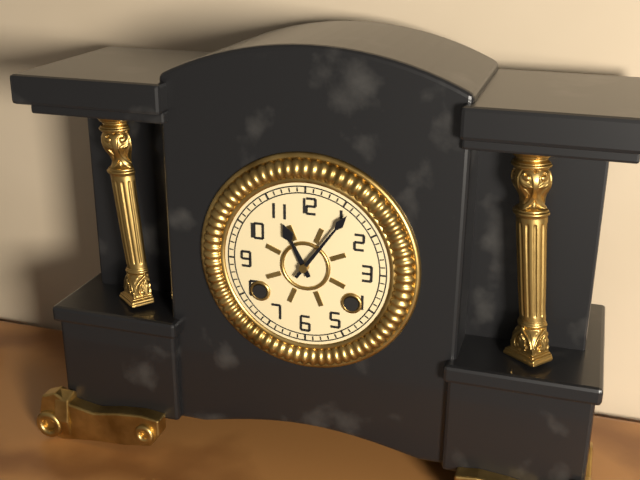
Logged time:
11,06
